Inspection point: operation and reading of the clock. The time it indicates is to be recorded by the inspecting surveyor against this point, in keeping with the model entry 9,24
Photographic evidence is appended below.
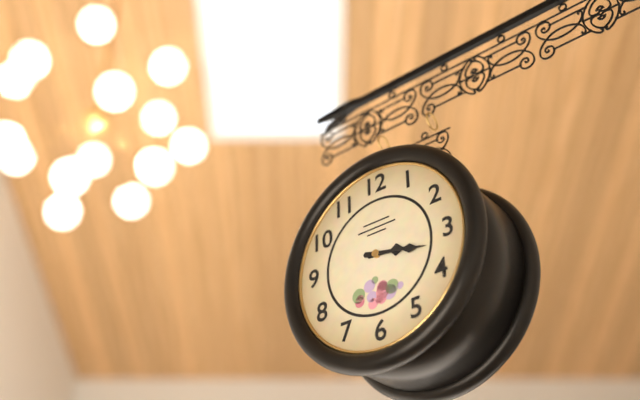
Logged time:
3,17
